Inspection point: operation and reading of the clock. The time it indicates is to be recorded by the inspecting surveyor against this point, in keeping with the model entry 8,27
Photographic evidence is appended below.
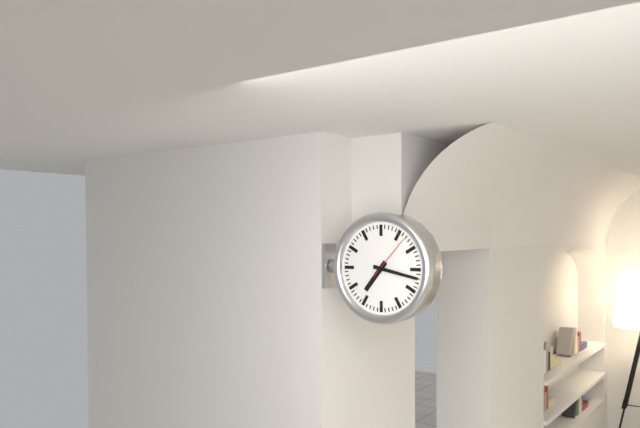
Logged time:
7,17
